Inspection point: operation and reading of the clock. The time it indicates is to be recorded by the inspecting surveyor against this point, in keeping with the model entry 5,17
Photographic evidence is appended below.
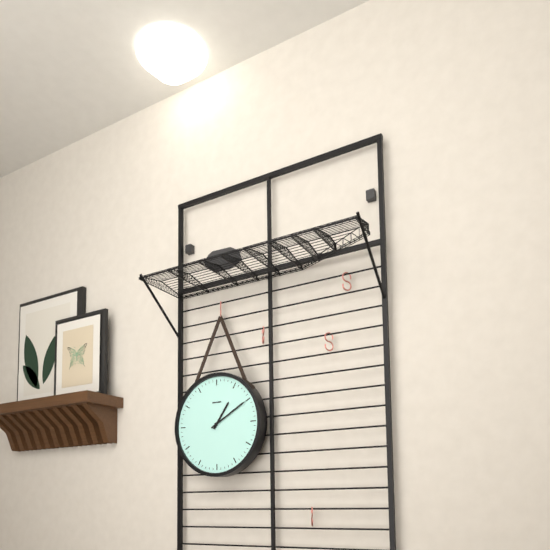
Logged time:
1,10
